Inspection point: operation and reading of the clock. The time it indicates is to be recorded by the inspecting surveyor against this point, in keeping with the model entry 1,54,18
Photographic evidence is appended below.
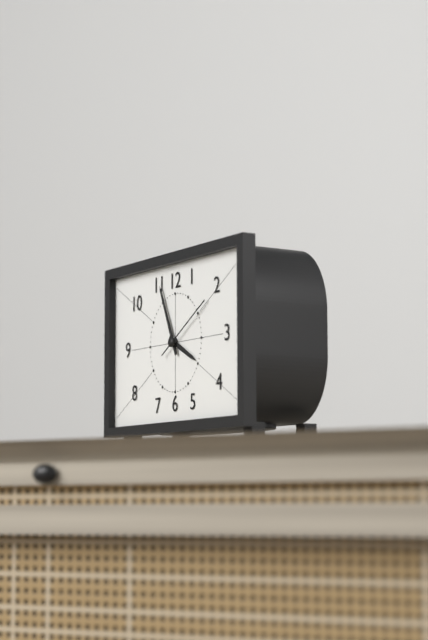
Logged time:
3,56,10
